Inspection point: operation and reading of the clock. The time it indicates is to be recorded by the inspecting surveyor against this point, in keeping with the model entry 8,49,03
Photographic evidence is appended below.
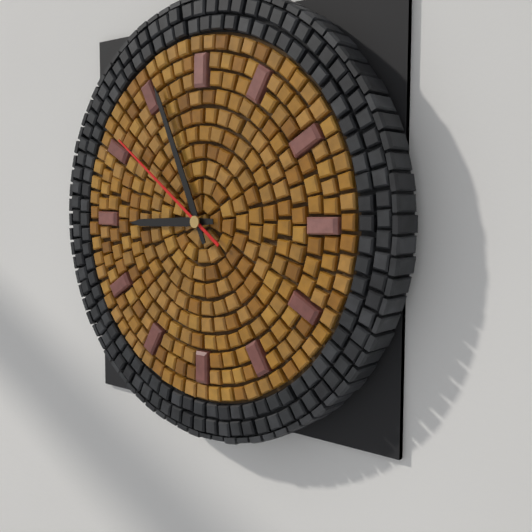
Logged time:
8,56,51
